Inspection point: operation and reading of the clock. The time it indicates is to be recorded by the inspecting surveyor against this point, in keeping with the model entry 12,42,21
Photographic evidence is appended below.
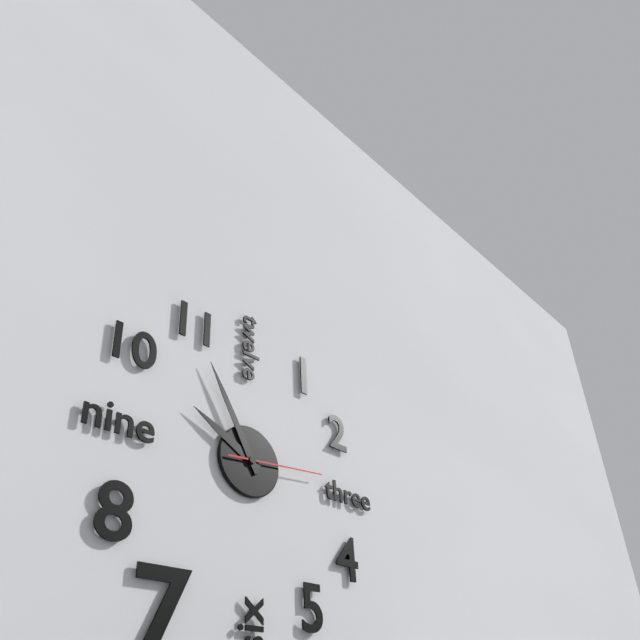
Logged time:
9,55,14
